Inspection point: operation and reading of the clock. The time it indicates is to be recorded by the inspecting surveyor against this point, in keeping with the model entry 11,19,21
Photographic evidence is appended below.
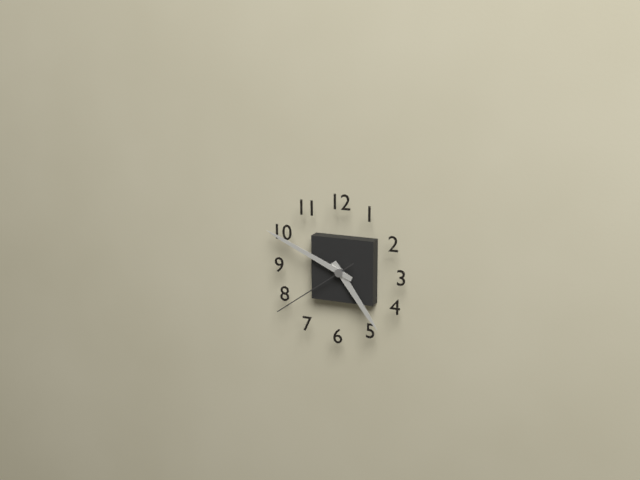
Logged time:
4,49,39
